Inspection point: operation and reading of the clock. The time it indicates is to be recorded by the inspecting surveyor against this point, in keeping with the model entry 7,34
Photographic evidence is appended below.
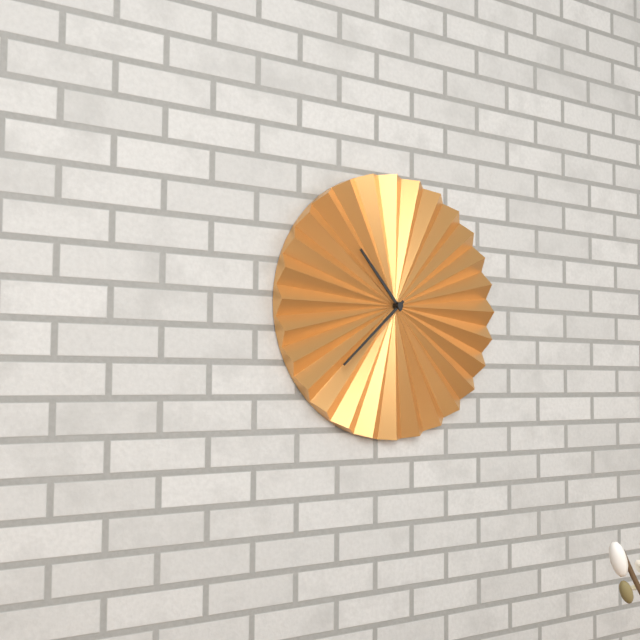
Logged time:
10,38
